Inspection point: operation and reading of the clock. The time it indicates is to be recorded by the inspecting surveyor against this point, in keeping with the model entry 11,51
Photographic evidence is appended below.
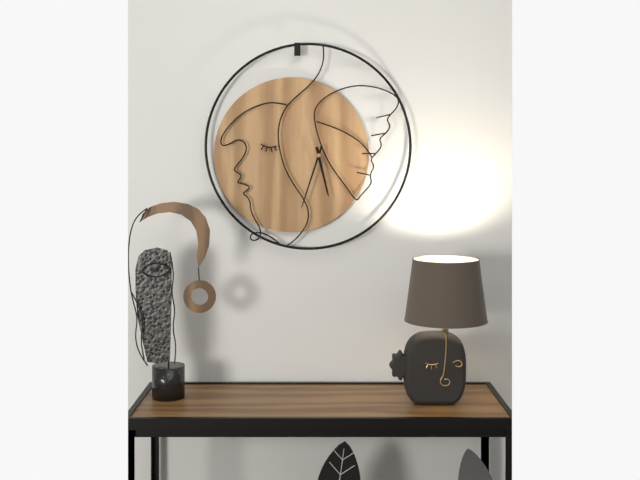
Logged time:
5,33
